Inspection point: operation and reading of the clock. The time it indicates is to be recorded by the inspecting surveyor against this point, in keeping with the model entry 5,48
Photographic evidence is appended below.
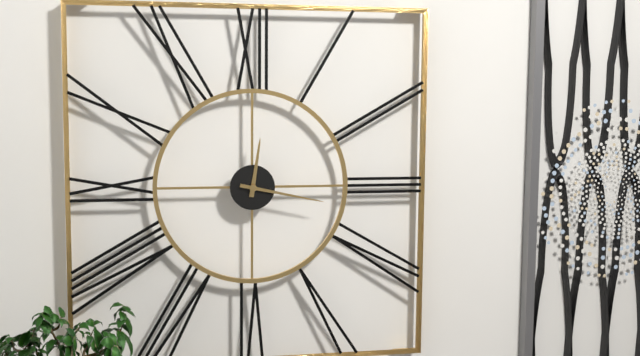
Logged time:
12,17
